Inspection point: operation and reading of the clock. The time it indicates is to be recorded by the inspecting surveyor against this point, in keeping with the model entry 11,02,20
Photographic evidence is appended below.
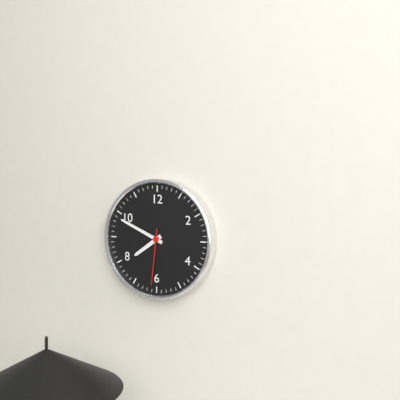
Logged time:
7,49,31
